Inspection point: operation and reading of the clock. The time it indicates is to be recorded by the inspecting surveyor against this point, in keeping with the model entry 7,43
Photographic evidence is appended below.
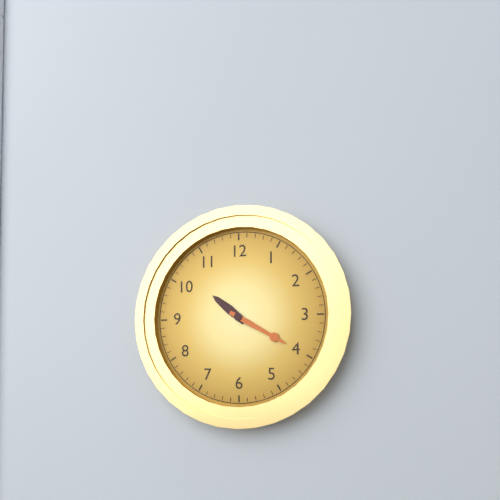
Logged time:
10,20
